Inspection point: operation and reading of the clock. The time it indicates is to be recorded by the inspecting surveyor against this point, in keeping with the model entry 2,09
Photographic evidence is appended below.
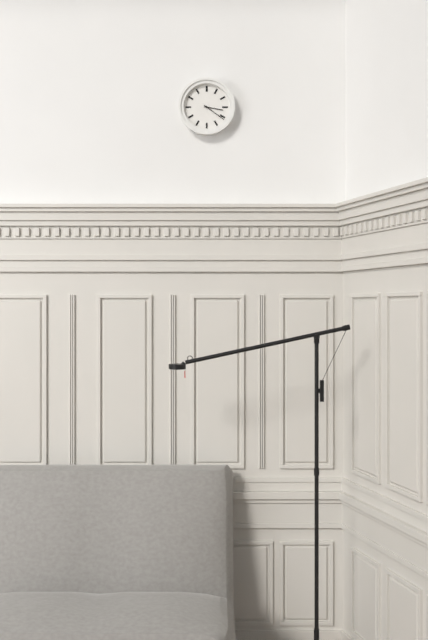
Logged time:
3,21
